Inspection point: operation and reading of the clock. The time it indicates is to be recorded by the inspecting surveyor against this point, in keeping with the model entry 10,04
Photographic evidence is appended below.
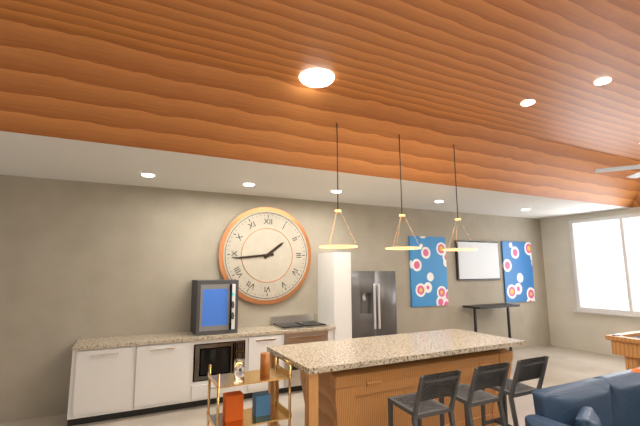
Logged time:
1,44
